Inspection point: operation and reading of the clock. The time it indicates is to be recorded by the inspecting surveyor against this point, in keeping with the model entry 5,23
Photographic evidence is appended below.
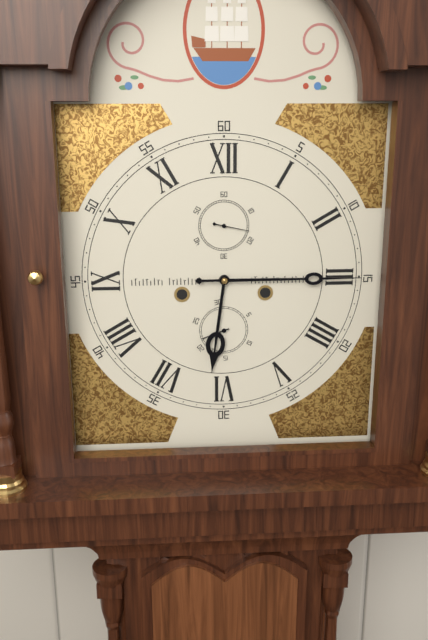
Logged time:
6,15
